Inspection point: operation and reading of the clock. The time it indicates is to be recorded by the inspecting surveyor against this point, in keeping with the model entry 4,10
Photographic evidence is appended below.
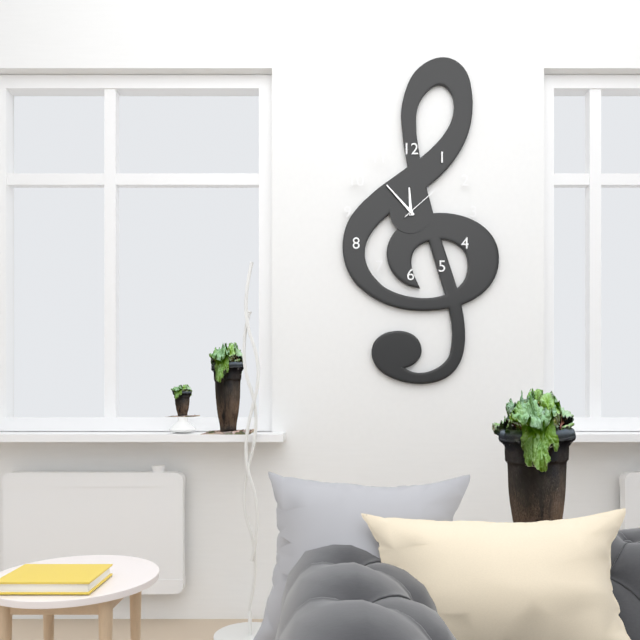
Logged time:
11,53
